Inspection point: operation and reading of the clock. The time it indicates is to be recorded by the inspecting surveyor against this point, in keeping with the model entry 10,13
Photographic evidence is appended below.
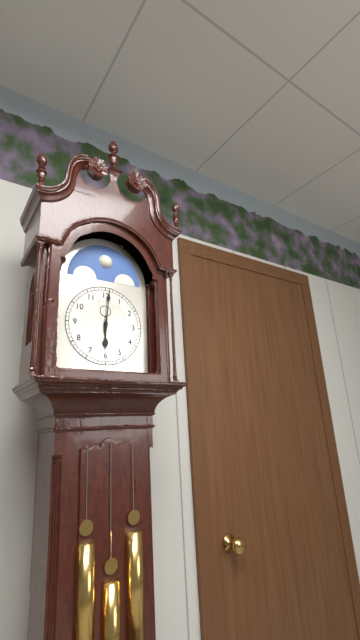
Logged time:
6,01
